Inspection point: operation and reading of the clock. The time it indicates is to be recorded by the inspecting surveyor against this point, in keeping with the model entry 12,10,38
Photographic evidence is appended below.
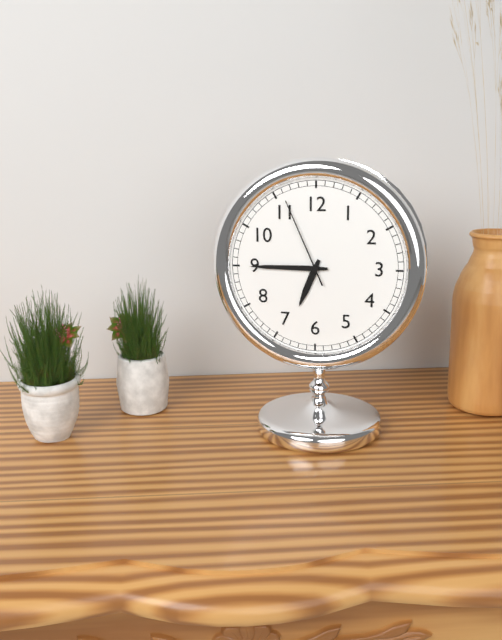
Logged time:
6,45,56
